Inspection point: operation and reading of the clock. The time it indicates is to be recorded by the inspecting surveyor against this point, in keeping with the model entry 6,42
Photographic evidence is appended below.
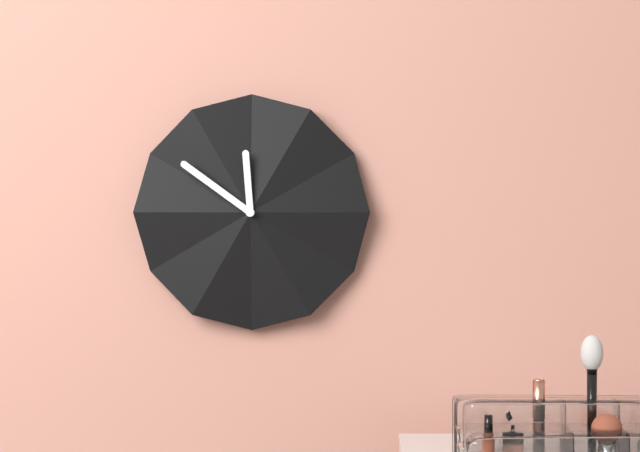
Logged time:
11,51
